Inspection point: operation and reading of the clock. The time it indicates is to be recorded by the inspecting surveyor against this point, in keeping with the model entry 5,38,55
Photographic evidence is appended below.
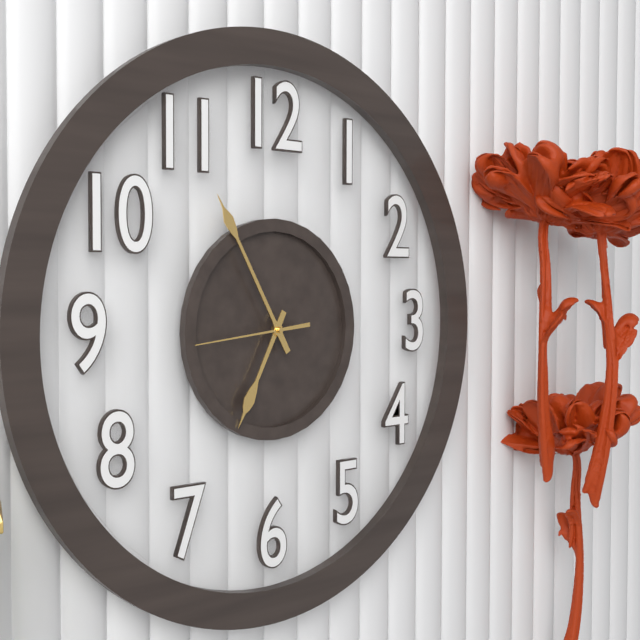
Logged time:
6,55,44
